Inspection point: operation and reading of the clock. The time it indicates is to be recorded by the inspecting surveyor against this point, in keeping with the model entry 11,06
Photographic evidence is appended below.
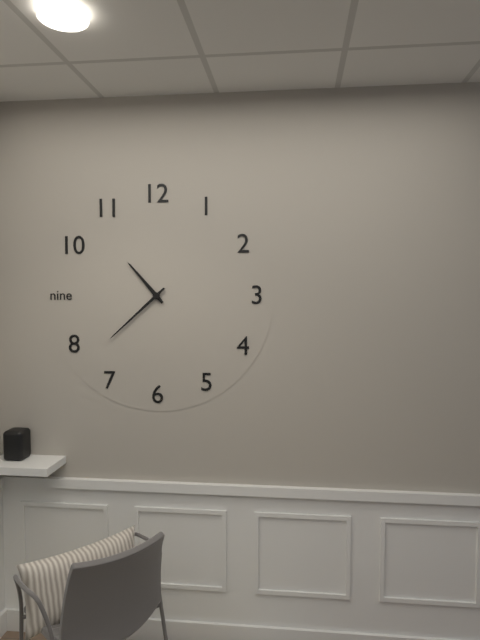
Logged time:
10,38
